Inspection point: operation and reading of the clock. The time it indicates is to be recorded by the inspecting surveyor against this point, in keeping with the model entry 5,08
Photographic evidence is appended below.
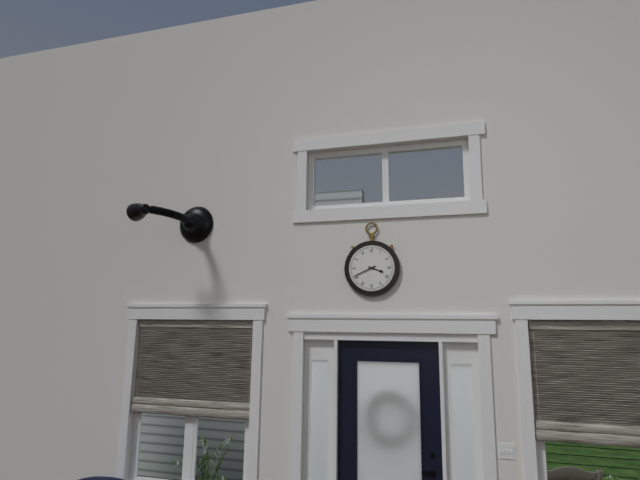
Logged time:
3,41
